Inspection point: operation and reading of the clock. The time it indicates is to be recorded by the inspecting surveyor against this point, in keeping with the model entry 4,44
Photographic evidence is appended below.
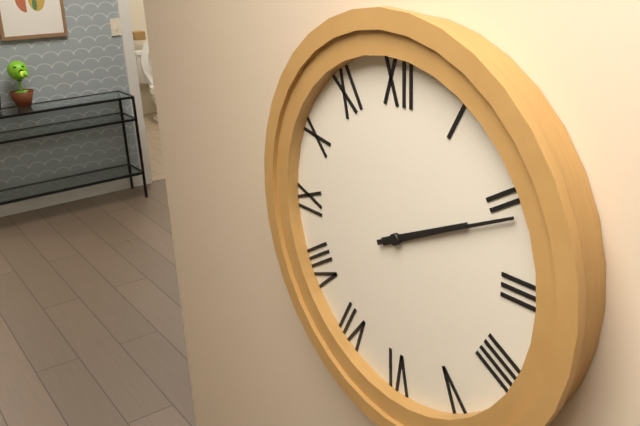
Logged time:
2,11
